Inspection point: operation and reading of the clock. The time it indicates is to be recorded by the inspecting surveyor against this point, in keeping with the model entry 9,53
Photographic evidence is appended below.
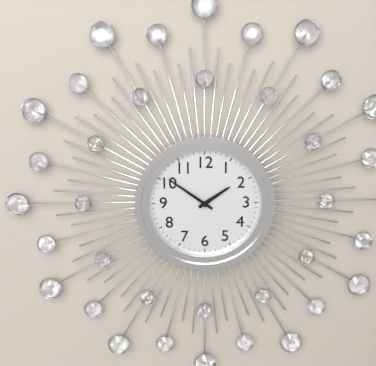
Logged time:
1,51
